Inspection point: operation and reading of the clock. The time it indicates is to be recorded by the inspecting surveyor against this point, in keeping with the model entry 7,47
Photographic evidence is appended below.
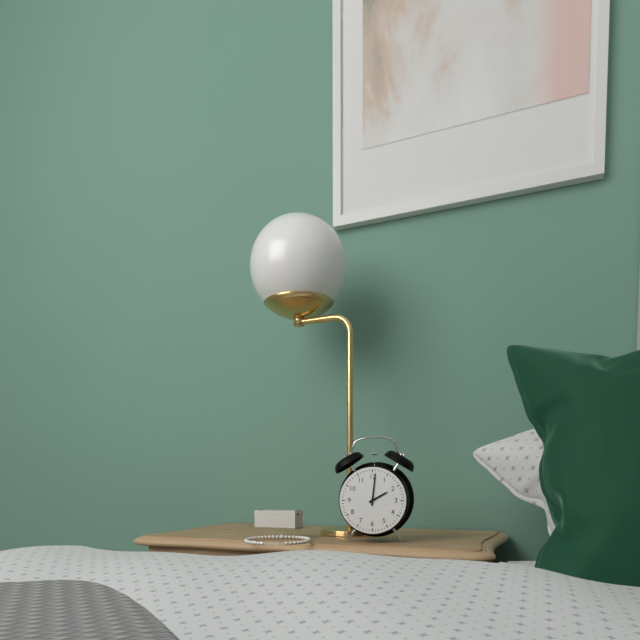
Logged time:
2,01
